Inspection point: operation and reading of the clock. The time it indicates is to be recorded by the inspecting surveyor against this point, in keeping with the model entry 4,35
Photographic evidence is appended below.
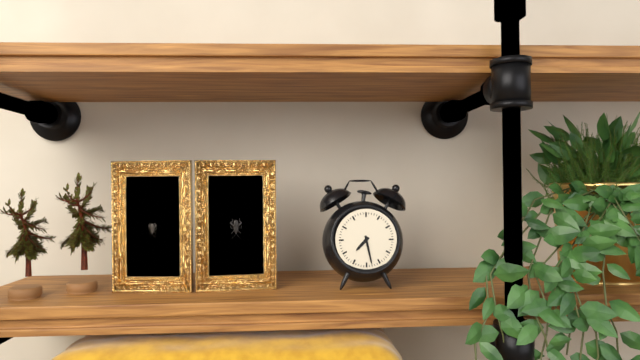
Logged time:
7,28
